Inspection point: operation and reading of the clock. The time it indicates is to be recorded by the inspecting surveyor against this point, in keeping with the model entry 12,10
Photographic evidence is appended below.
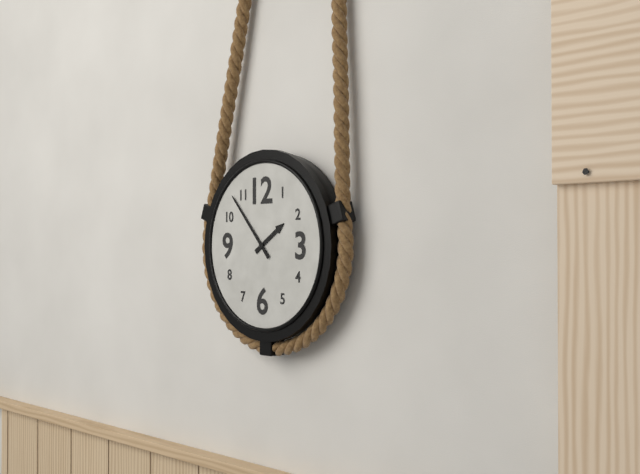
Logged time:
1,53
